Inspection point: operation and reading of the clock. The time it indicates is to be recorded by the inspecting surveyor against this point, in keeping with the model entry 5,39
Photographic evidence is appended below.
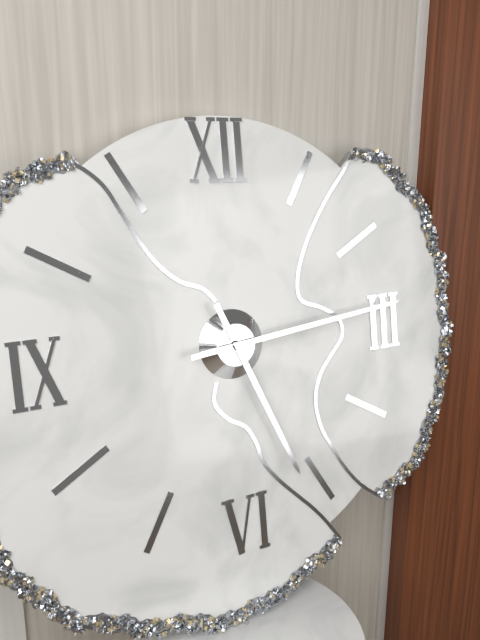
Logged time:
5,14
